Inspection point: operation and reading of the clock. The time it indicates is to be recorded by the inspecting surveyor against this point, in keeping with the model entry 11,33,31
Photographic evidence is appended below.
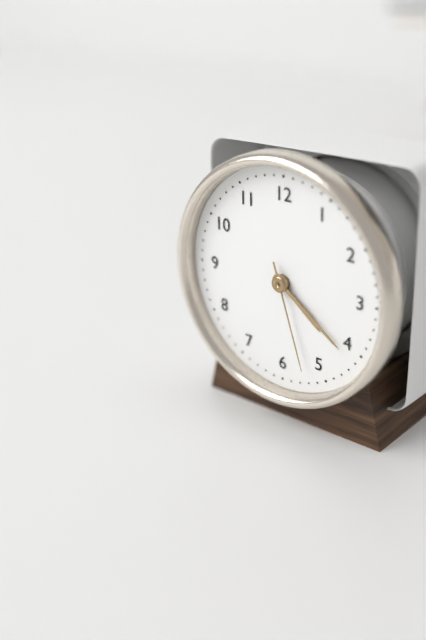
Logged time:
4,21,27
